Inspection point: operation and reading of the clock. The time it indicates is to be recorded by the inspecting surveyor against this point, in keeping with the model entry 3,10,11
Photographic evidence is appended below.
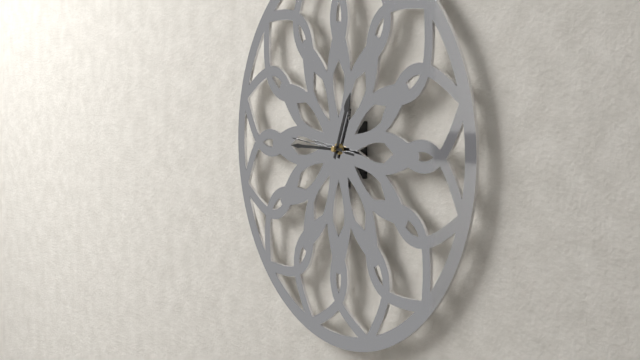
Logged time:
12,45,46
